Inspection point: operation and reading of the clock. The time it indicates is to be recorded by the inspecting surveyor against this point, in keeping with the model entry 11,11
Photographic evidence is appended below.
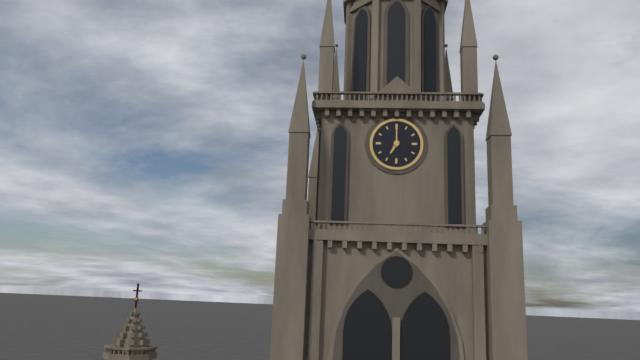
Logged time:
7,00
